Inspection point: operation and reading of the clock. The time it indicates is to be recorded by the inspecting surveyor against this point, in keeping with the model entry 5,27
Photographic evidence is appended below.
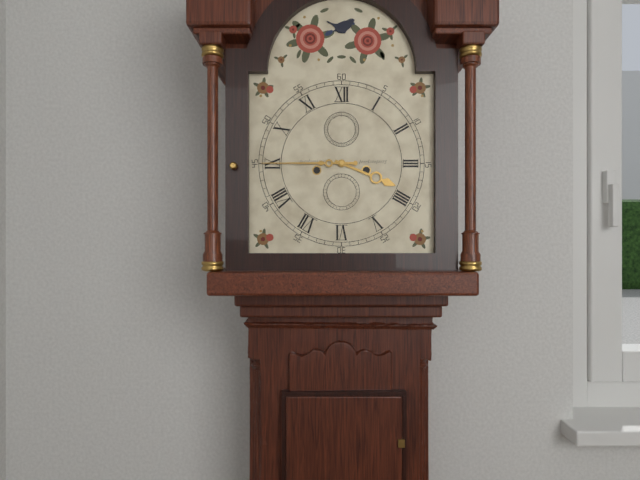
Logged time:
3,45
